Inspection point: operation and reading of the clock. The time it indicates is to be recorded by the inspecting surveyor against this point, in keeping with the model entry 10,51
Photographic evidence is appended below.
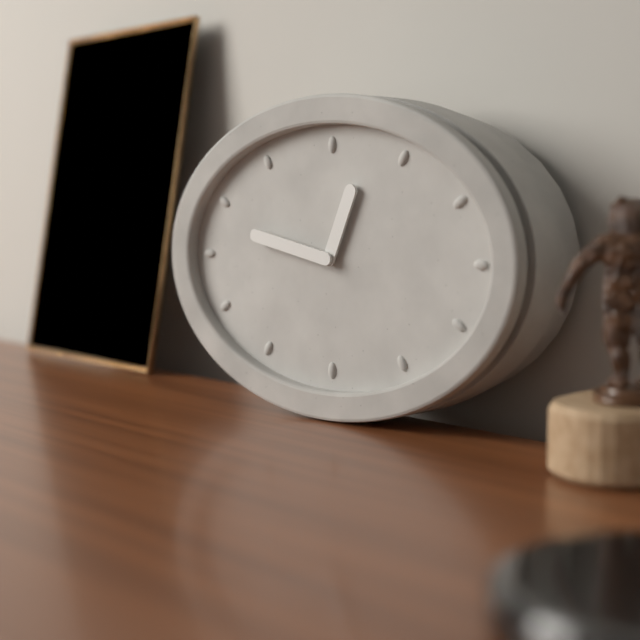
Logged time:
12,47
